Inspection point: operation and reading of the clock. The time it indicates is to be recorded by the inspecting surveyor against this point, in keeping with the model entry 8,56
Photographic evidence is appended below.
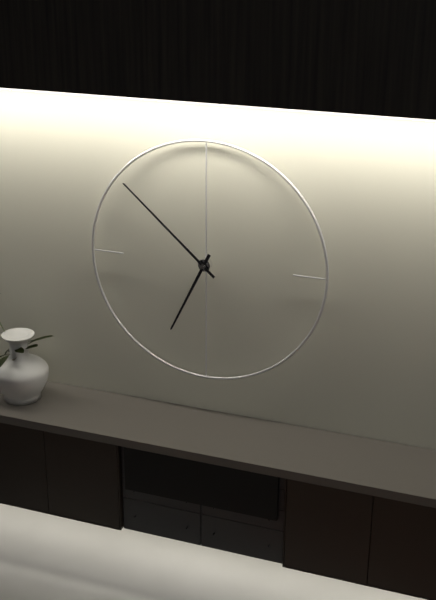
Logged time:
6,52
